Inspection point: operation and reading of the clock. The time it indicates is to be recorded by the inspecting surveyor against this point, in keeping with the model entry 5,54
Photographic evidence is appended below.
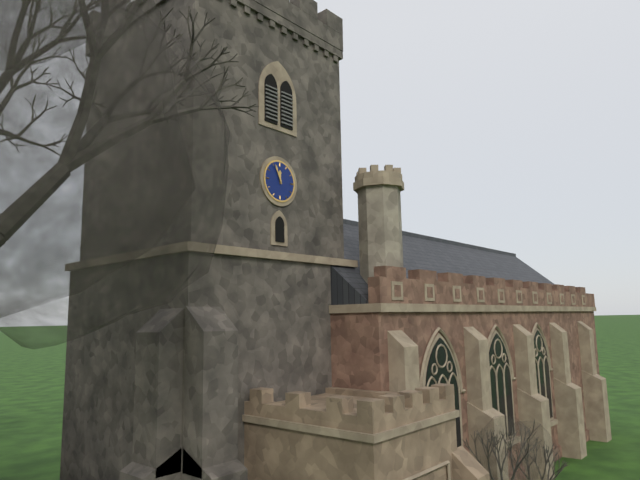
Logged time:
11,56
